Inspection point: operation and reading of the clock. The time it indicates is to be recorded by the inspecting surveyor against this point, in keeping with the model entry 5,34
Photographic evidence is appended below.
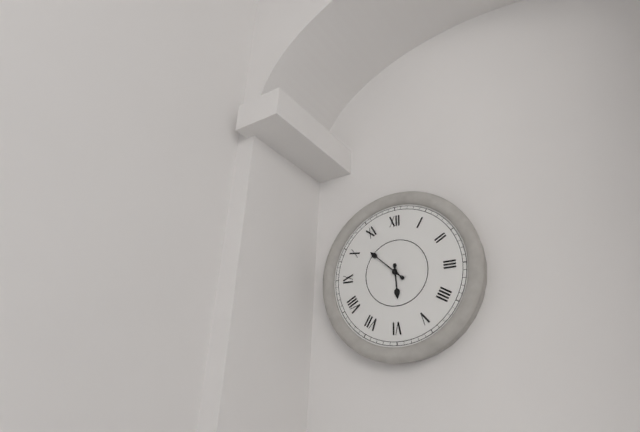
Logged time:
5,52
